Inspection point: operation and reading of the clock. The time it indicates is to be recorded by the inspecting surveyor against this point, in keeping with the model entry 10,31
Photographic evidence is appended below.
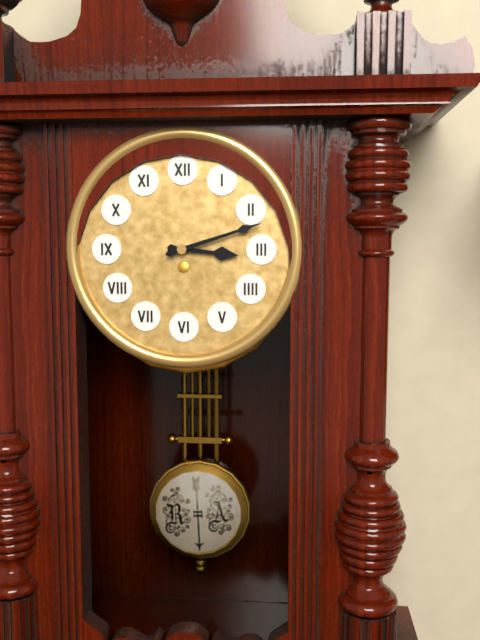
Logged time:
3,12
